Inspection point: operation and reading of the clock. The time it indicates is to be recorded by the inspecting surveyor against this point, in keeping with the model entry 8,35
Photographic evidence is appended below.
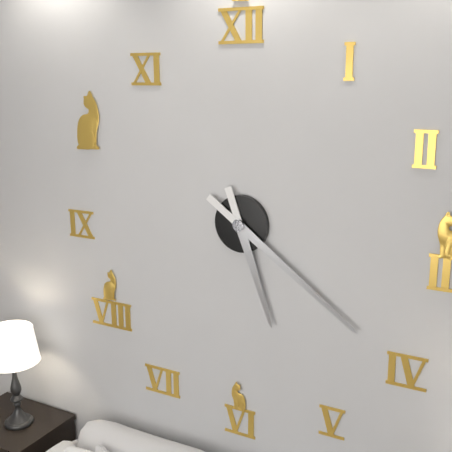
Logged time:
5,21
